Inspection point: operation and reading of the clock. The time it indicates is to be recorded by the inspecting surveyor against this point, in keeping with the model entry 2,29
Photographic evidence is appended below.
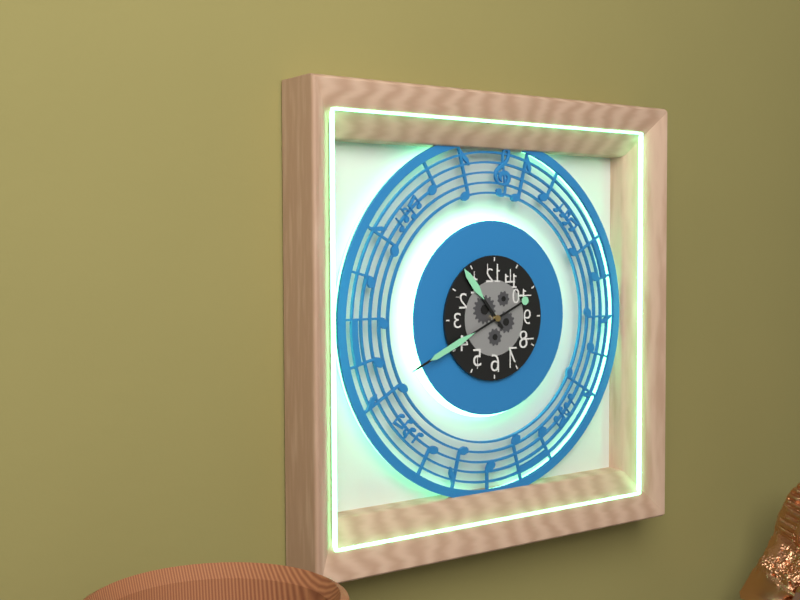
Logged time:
10,41
